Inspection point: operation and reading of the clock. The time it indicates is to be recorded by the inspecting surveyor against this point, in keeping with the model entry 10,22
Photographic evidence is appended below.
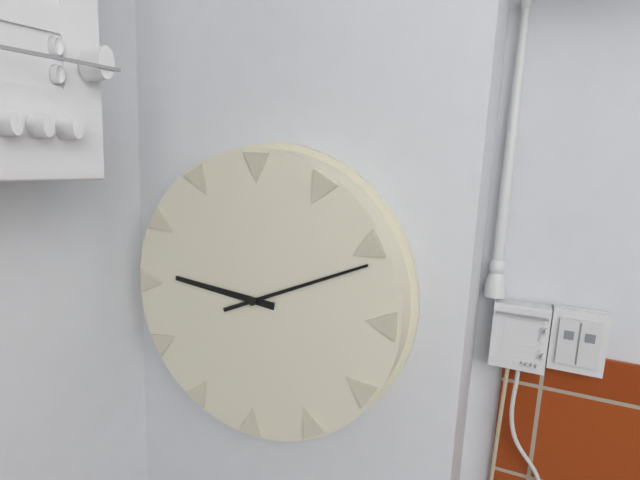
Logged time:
9,11
